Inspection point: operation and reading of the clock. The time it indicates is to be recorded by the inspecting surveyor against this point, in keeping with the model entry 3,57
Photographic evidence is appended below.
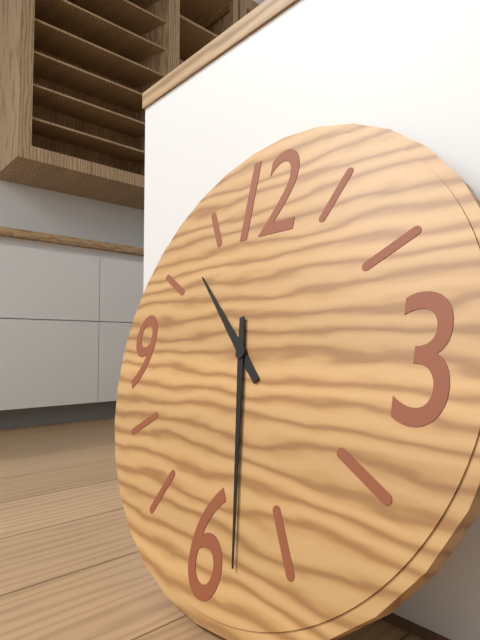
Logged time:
10,28
